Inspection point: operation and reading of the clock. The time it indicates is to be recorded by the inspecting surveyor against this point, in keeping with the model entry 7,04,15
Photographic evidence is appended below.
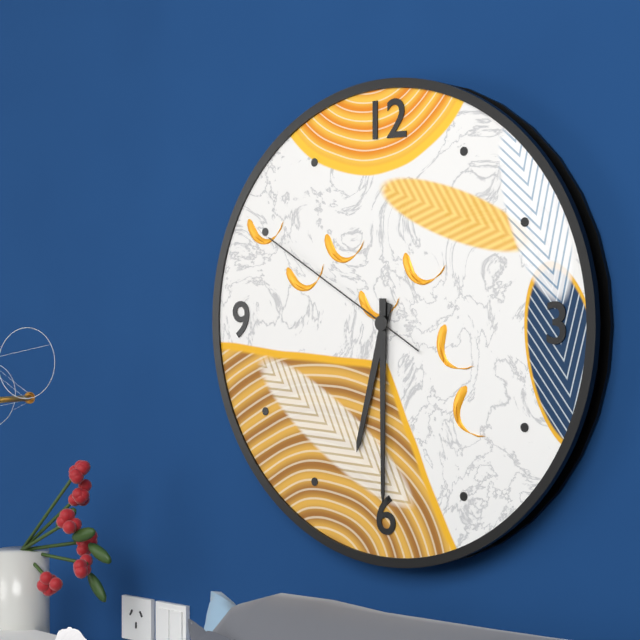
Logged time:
6,30,50
